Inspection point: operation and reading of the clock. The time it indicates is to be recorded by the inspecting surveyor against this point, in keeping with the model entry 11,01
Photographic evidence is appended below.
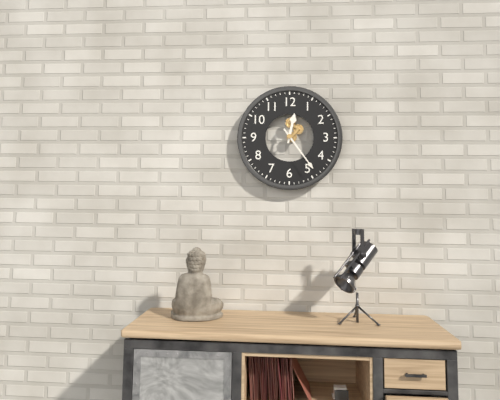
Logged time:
12,24
